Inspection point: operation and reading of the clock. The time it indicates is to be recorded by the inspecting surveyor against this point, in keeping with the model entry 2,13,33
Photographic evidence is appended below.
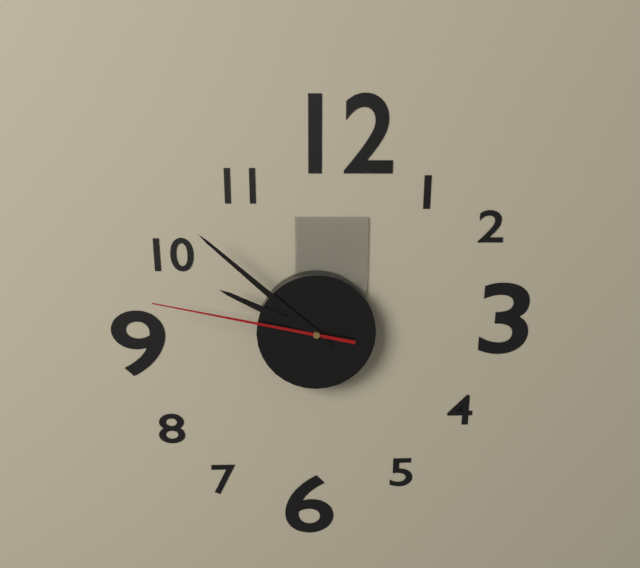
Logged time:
9,52,47
